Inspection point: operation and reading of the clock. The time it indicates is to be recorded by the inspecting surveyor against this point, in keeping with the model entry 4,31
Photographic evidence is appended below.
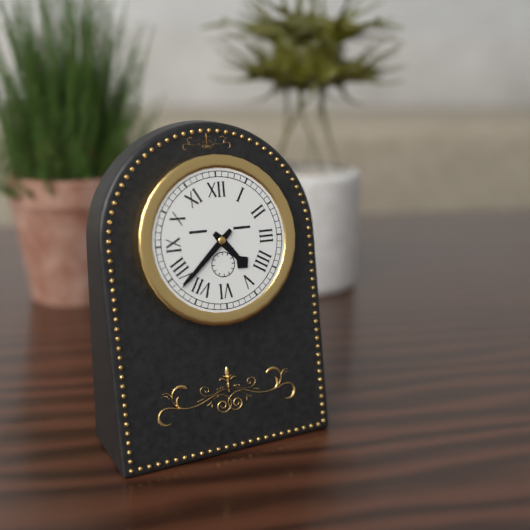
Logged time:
4,38
